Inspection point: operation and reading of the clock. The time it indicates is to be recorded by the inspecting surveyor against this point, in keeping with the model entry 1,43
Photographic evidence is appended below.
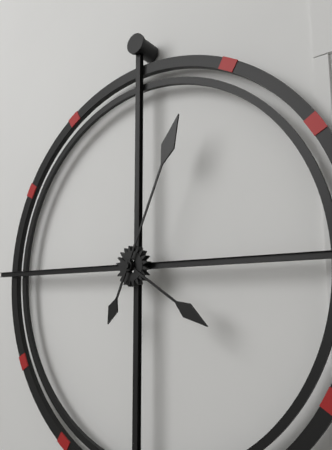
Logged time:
4,04
